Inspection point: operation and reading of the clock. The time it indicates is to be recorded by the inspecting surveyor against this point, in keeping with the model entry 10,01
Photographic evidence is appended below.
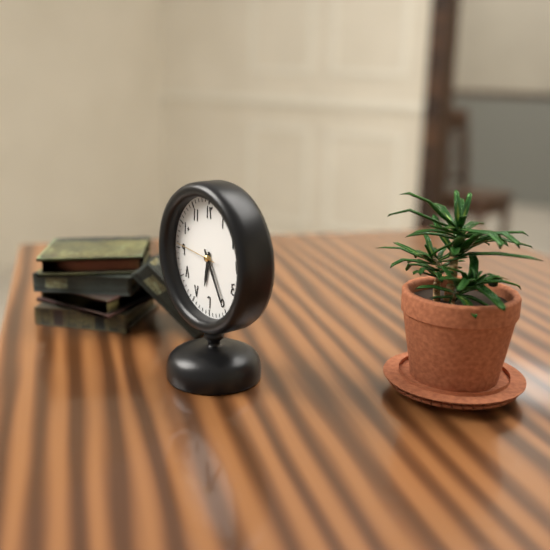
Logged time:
6,25
